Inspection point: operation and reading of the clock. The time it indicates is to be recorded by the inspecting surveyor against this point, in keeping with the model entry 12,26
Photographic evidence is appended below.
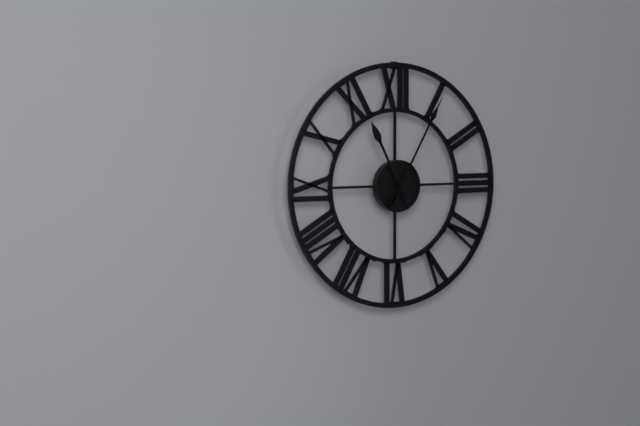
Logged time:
11,05
